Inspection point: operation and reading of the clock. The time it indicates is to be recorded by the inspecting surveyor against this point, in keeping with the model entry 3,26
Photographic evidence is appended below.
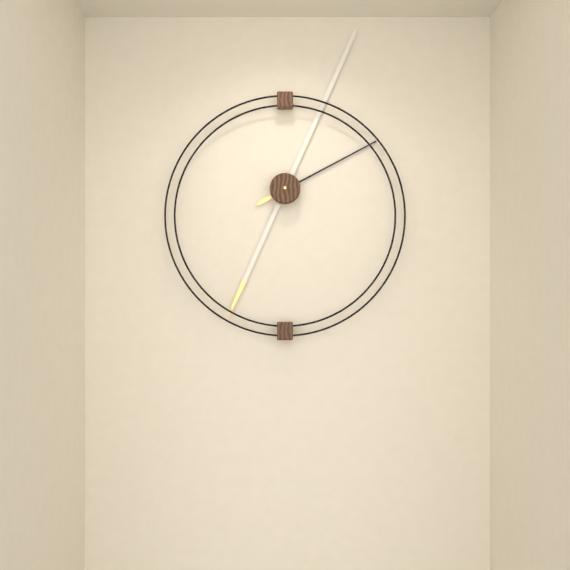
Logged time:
2,04
